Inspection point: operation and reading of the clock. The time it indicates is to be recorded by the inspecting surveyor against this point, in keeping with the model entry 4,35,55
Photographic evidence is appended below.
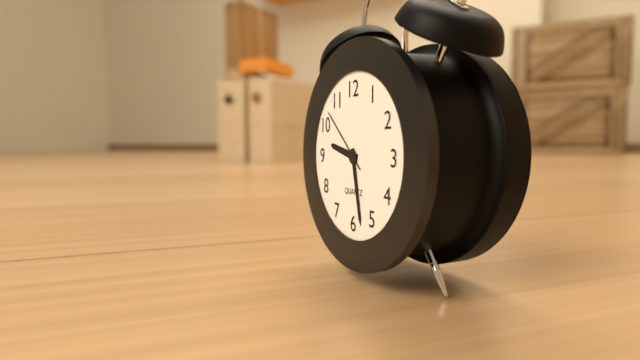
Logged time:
9,28,52
